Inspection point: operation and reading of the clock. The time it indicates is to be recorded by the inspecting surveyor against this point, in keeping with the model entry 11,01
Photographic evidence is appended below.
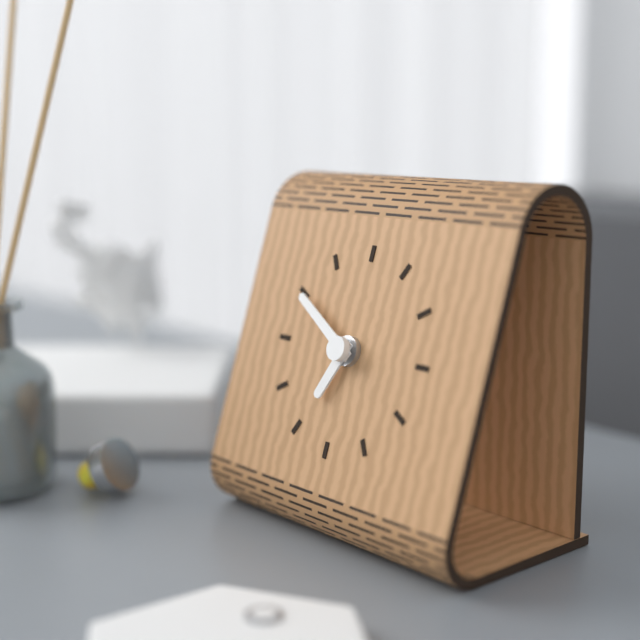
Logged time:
6,50
